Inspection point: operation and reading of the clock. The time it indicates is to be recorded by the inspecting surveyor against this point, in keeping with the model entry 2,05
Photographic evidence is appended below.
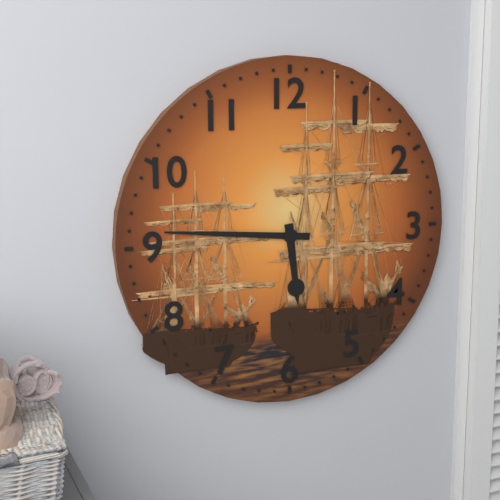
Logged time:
5,46
